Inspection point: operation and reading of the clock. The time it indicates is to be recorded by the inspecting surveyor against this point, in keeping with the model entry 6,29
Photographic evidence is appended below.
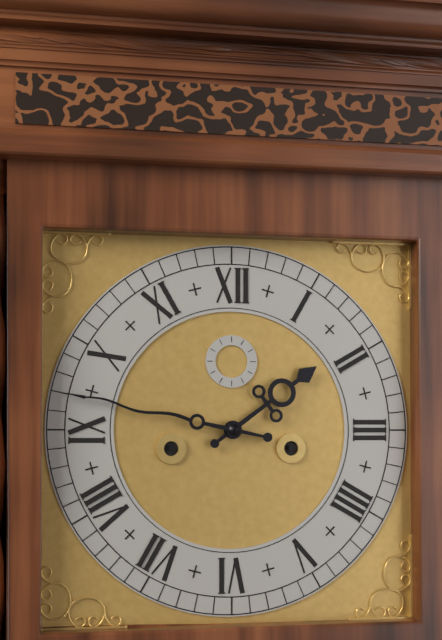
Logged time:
1,47
